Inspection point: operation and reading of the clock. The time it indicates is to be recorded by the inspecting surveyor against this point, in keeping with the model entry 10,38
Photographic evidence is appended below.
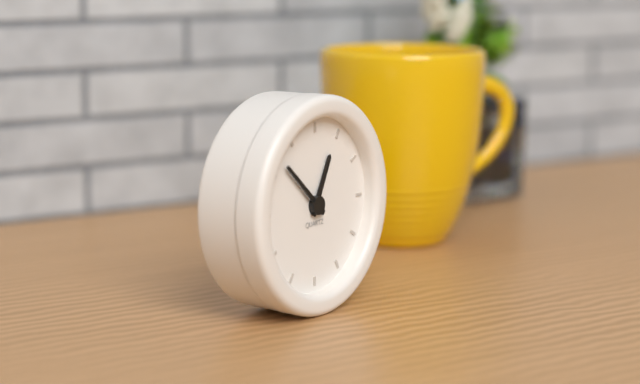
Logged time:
12,52
